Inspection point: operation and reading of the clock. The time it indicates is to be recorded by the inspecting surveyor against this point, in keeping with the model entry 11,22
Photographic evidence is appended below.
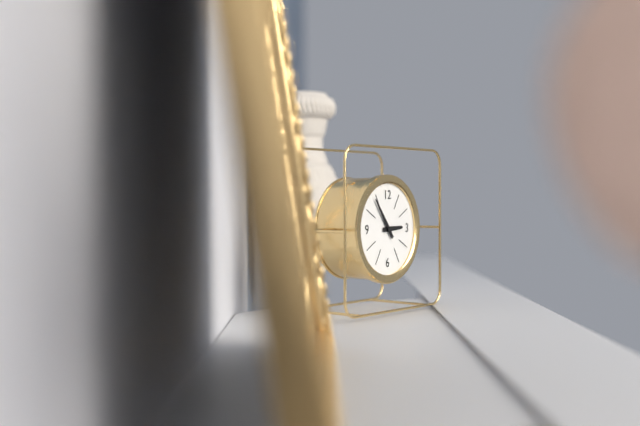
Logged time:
2,54
